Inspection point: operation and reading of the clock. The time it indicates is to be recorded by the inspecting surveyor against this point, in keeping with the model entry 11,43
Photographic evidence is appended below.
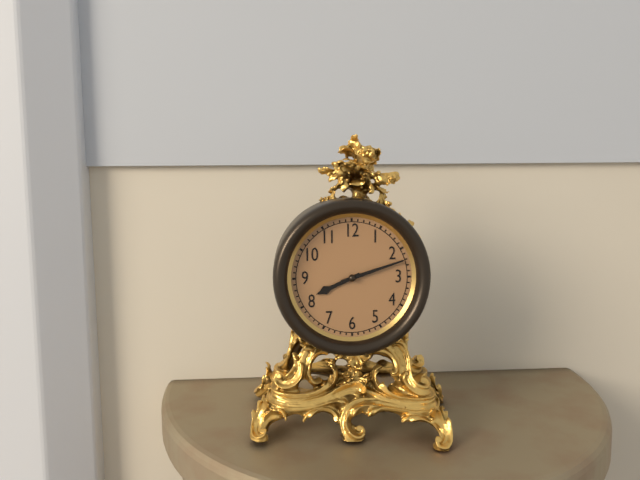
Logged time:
8,12
